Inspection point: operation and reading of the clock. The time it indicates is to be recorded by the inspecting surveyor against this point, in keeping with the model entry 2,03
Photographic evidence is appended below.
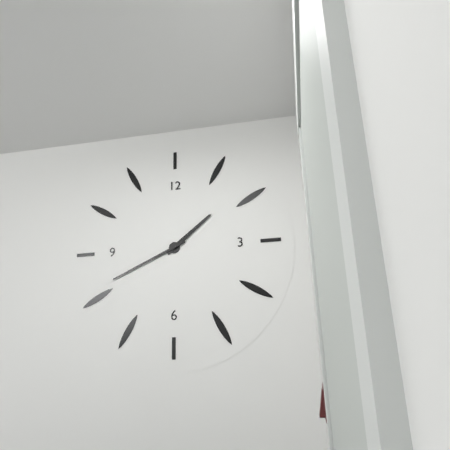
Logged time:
1,41
